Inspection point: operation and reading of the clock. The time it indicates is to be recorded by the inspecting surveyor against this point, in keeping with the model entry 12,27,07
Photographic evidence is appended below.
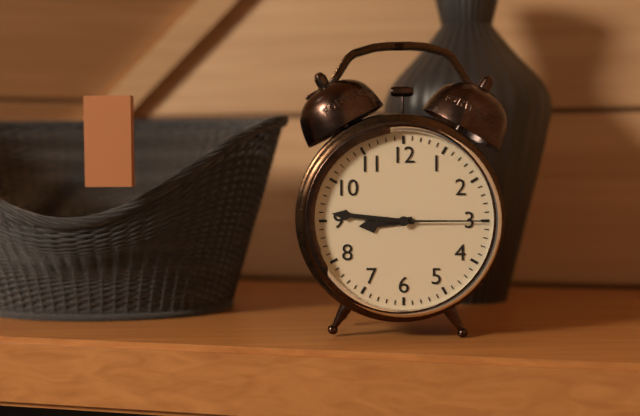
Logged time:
8,46,15
